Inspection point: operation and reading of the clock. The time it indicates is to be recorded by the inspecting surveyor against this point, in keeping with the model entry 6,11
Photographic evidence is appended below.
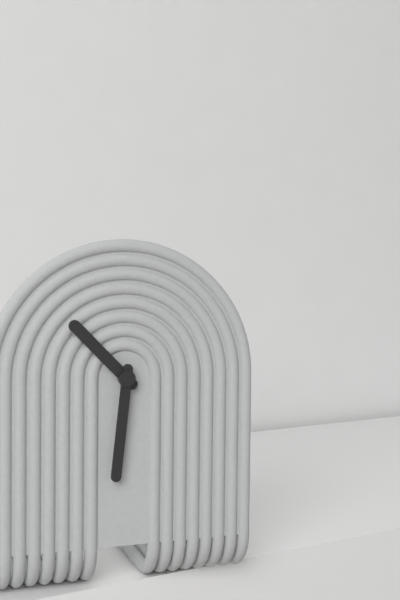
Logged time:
10,31
